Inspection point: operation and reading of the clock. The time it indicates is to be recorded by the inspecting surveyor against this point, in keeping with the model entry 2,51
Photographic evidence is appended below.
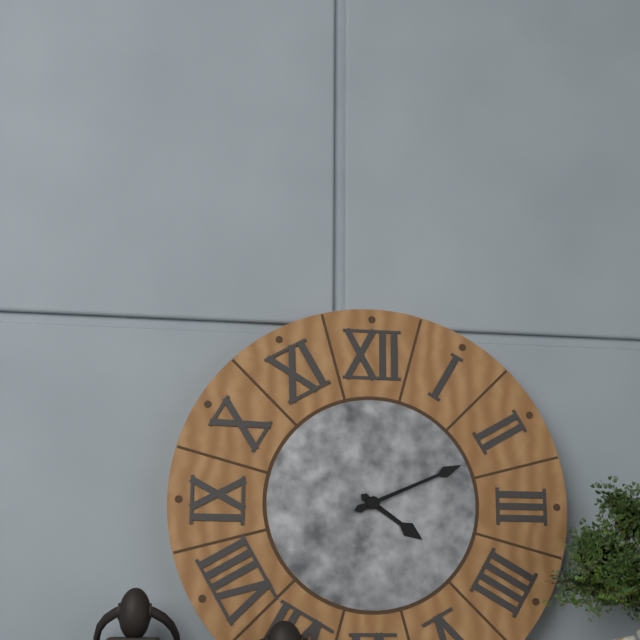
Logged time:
4,11
